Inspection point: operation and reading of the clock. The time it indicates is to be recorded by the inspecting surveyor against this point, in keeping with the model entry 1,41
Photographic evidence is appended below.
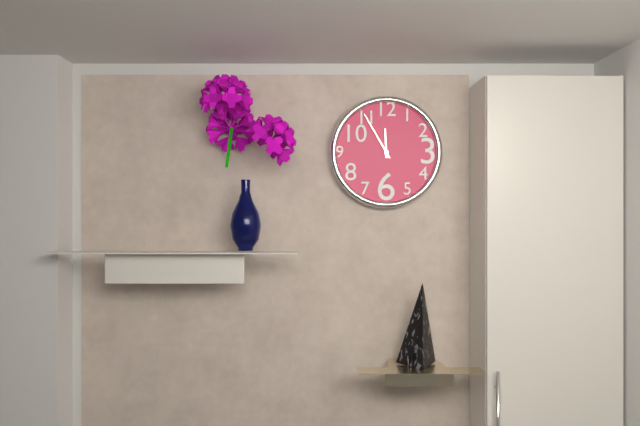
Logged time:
11,55
